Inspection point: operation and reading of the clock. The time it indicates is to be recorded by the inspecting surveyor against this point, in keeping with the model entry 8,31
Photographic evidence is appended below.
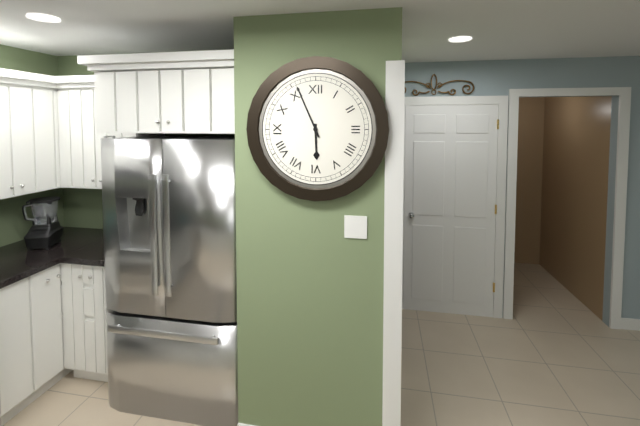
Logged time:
5,56
